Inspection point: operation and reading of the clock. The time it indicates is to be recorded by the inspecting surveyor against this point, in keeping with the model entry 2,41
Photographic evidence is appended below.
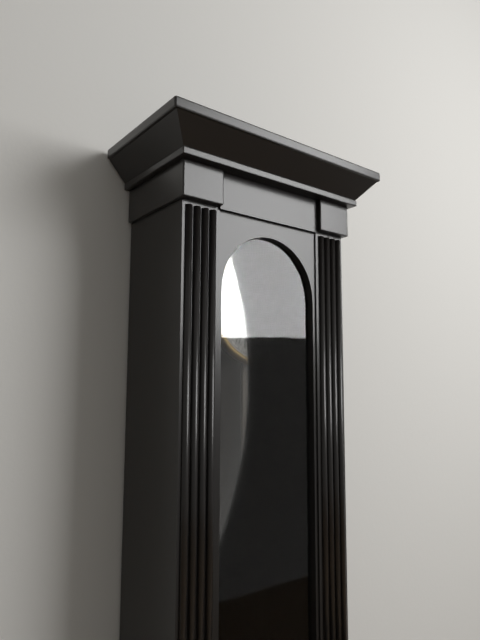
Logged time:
8,59
